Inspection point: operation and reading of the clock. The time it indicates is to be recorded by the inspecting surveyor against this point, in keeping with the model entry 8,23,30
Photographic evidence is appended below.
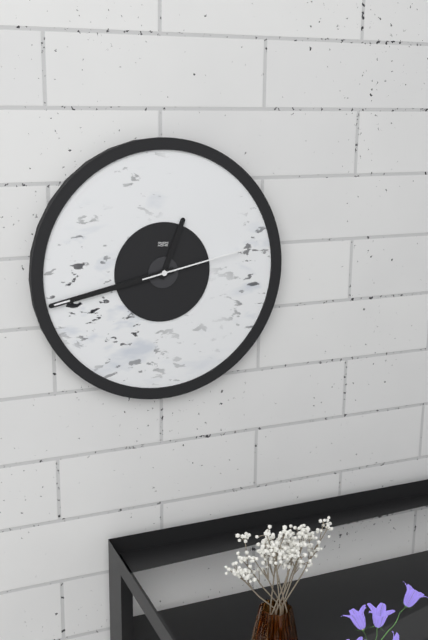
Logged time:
12,43,13
